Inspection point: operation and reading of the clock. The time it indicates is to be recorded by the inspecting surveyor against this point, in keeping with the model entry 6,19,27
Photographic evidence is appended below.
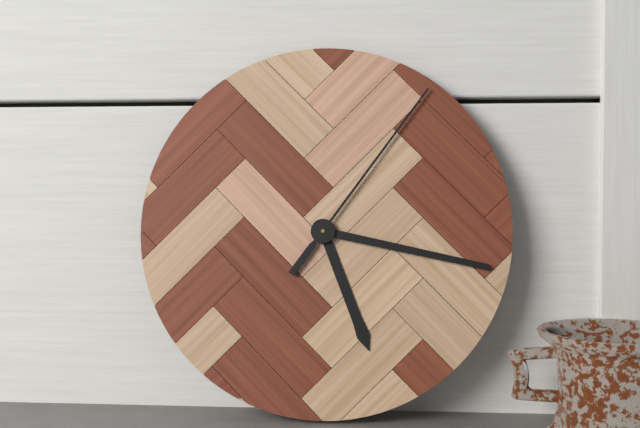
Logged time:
5,17,06
